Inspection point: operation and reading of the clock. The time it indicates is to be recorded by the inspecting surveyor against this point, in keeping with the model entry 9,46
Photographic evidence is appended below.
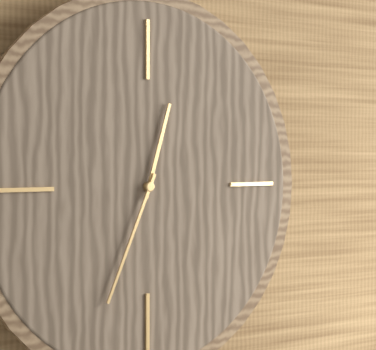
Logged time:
12,34
